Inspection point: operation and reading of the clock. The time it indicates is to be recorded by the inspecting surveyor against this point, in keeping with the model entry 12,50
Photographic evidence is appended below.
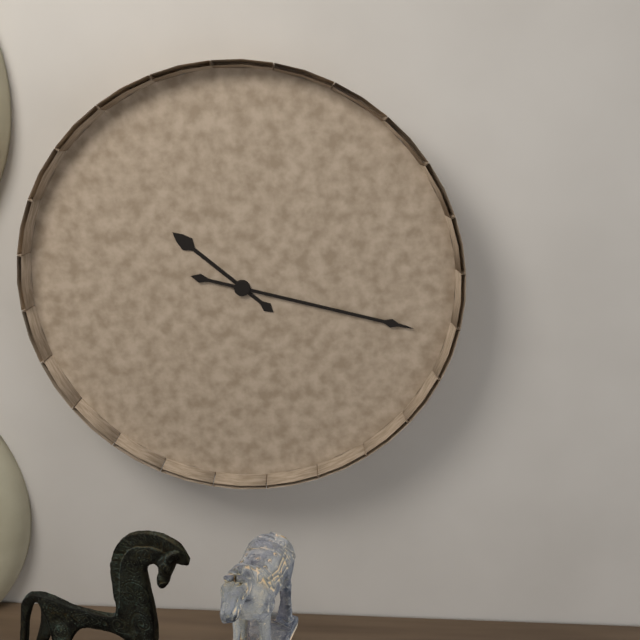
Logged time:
10,17
